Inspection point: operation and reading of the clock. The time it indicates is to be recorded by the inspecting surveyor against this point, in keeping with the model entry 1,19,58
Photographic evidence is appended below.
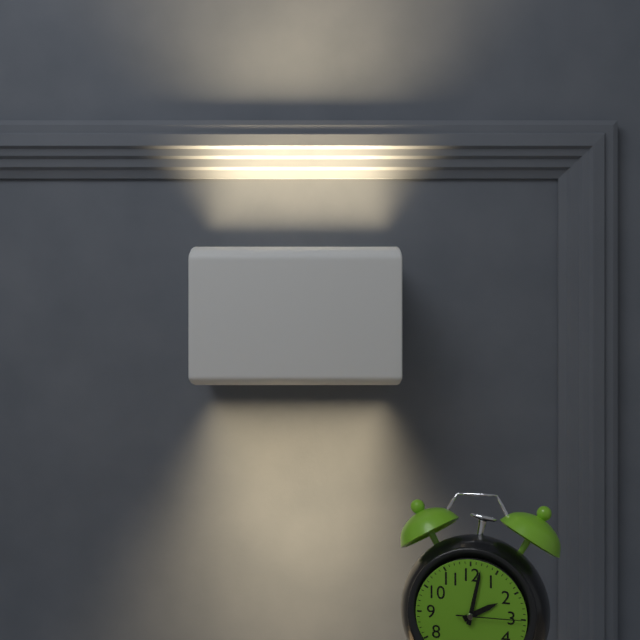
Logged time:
2,02,15
